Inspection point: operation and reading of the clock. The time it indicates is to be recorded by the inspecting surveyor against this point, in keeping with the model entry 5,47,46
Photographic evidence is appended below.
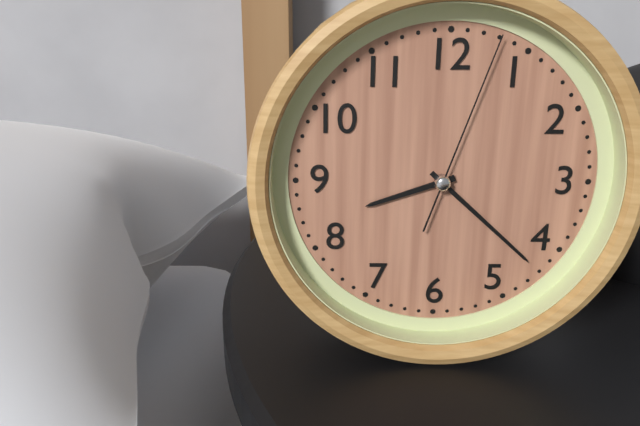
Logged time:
8,22,03
